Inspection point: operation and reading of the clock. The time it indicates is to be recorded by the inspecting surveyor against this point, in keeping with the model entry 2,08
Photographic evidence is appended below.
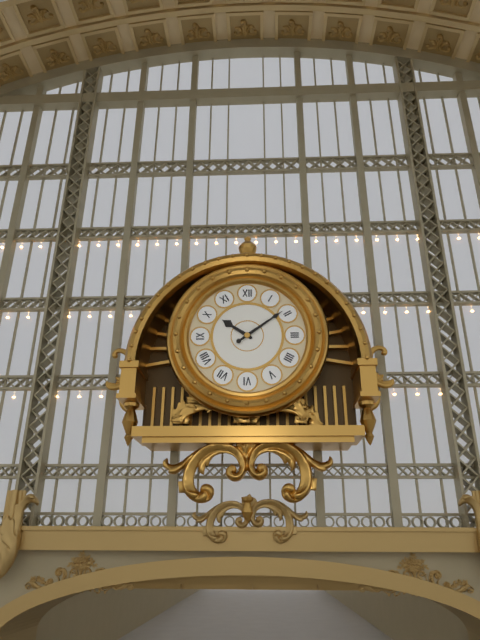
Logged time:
10,09
